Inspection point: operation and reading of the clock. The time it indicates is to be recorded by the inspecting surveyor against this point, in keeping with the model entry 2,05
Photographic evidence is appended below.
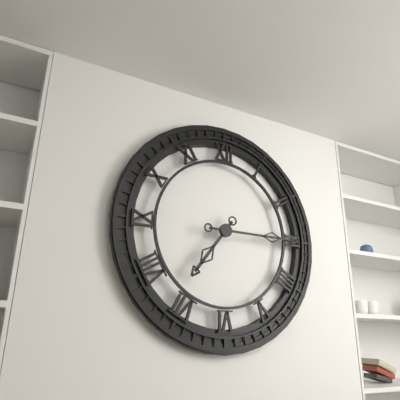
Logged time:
7,15
